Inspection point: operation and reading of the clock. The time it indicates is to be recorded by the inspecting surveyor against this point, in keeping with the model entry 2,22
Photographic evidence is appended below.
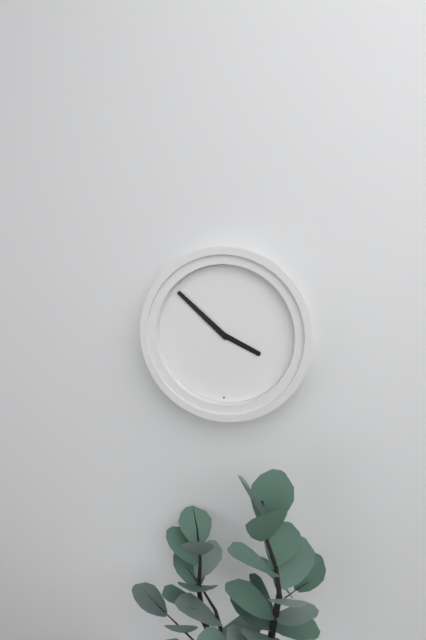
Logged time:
3,52
